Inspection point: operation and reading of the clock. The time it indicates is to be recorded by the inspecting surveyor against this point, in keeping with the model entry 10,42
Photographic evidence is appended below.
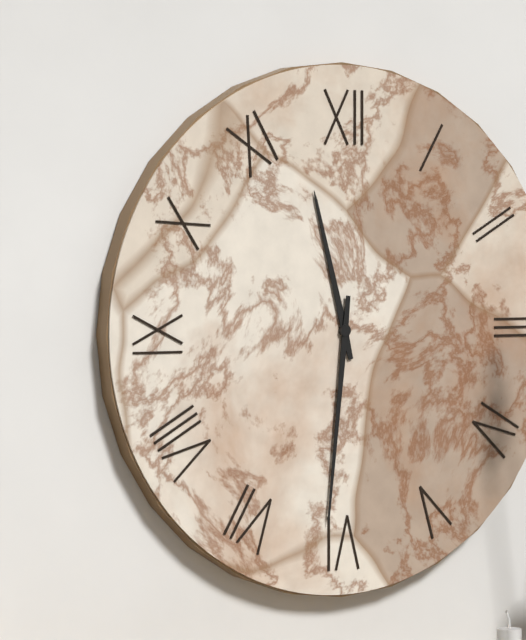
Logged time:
11,31
